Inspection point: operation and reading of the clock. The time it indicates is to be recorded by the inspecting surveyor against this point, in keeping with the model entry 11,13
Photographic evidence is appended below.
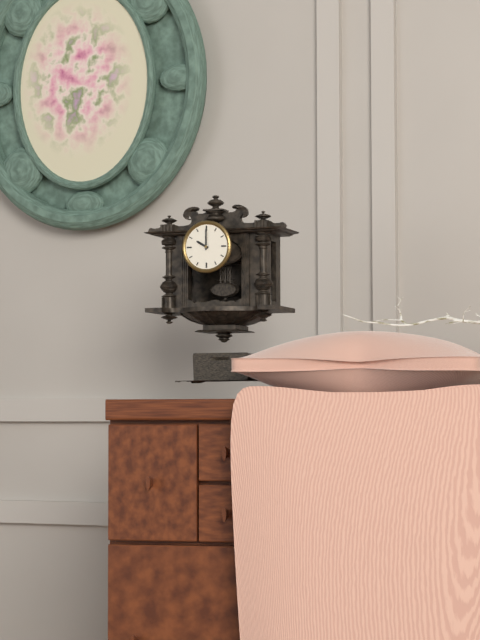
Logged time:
10,00
